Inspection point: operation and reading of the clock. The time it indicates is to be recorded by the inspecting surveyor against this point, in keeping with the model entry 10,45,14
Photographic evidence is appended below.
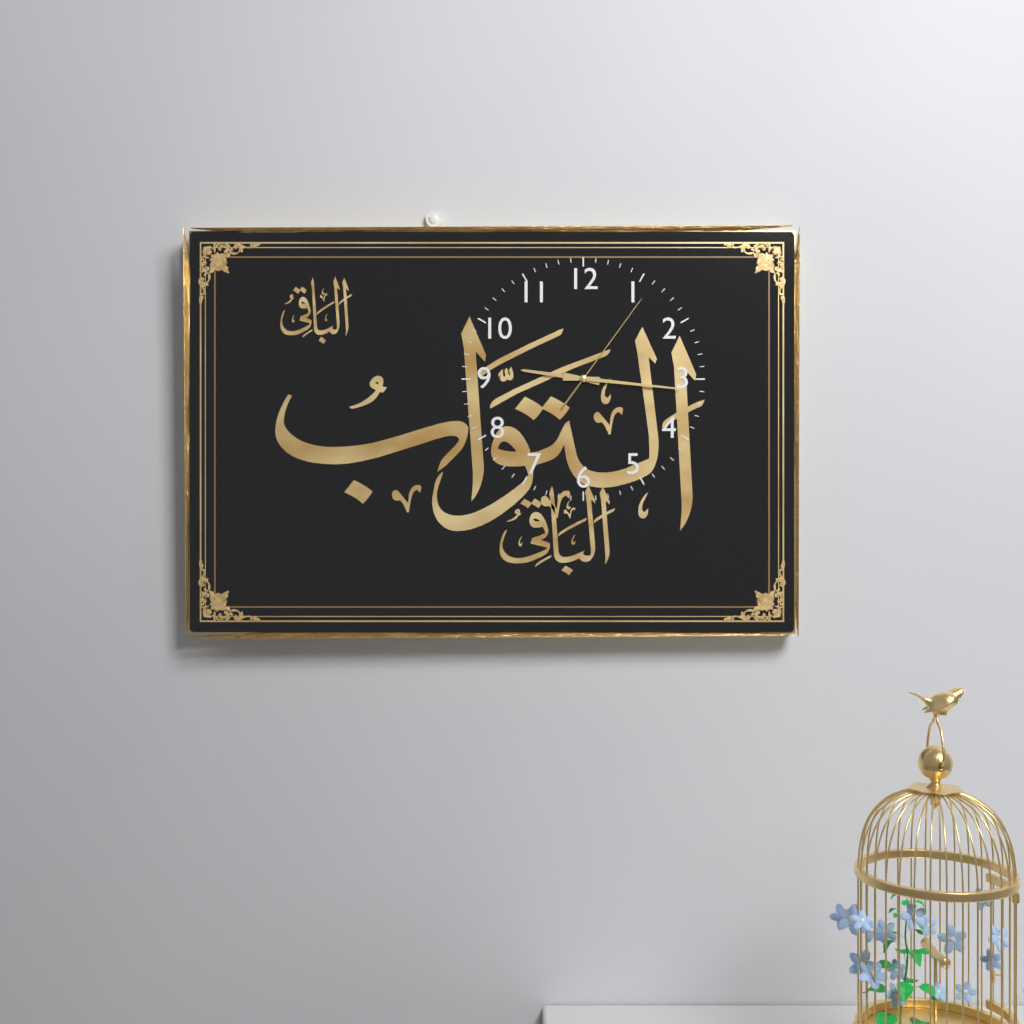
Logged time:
9,16,06
